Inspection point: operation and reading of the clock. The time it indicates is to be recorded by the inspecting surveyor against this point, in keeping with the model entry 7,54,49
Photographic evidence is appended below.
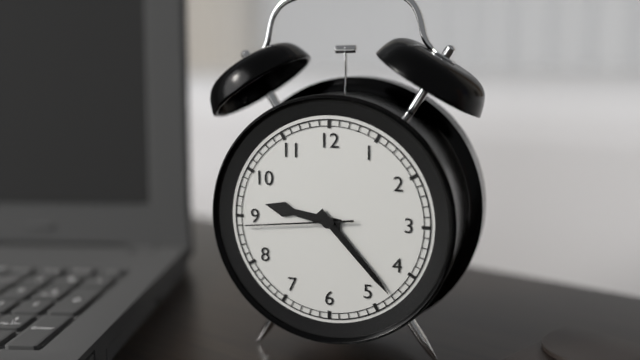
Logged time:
9,23,44
